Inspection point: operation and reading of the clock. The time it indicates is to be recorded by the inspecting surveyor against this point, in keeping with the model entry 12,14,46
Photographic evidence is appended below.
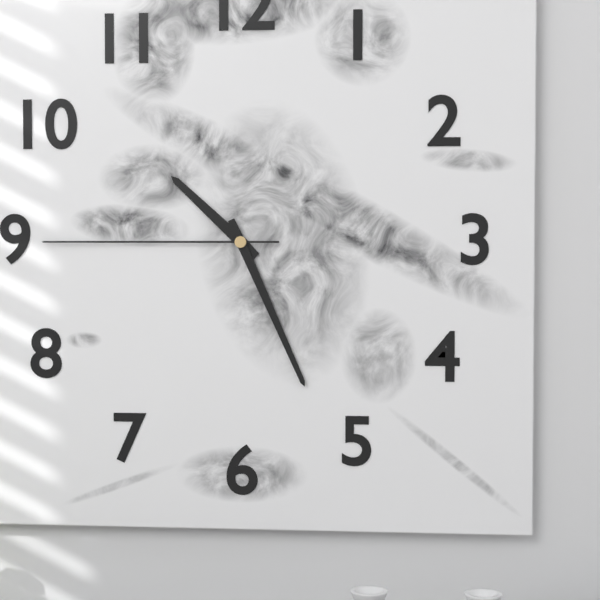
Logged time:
10,26,45
